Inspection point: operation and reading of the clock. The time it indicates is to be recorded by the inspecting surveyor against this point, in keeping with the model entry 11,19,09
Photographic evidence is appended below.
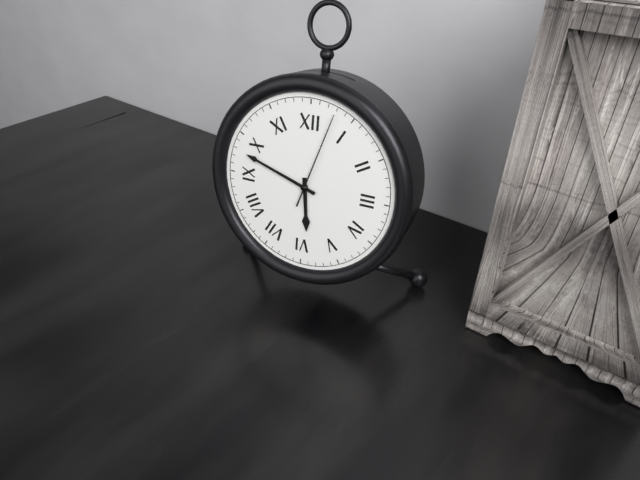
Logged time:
5,48,03
